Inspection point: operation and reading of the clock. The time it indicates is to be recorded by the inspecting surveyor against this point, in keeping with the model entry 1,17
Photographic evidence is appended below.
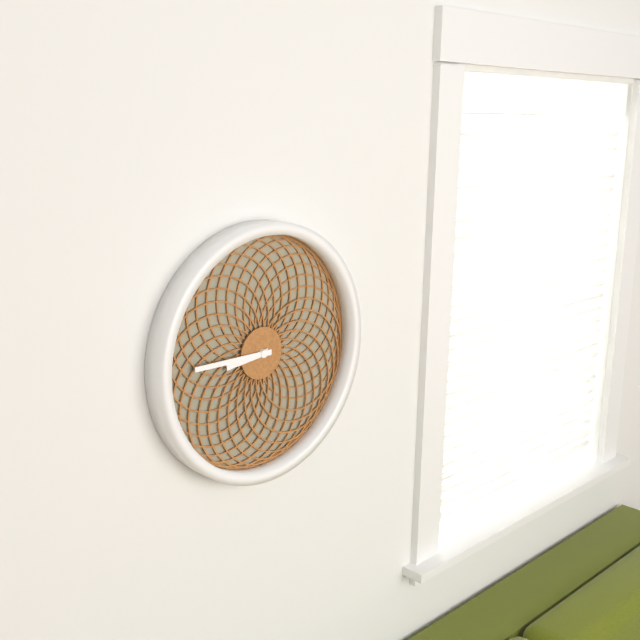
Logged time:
8,45
